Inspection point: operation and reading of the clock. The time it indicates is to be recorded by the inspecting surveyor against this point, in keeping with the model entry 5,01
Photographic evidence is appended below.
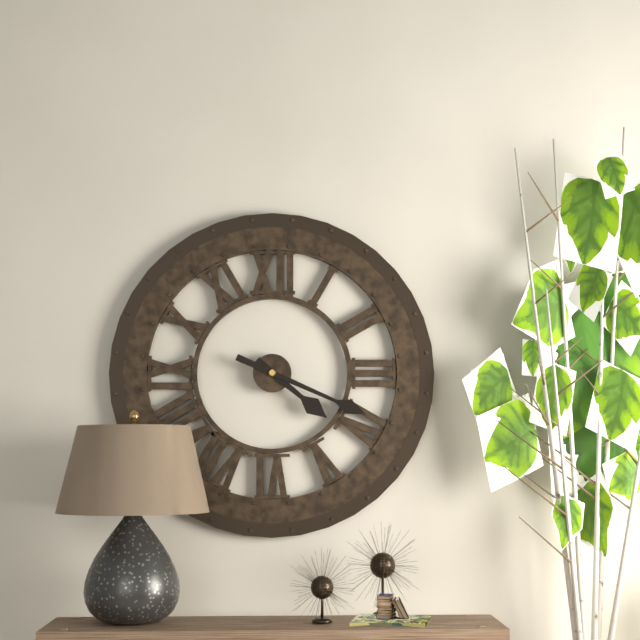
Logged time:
4,19
